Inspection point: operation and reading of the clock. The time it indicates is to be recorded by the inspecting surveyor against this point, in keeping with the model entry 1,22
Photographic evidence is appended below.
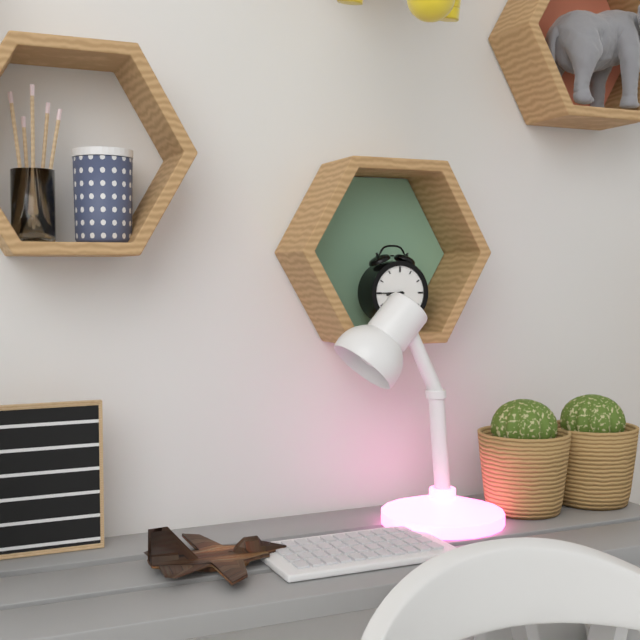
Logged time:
8,45
